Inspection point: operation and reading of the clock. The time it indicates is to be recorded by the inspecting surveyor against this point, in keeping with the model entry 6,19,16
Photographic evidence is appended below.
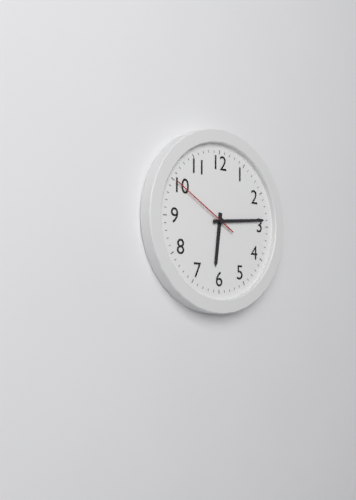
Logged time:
6,14,50
